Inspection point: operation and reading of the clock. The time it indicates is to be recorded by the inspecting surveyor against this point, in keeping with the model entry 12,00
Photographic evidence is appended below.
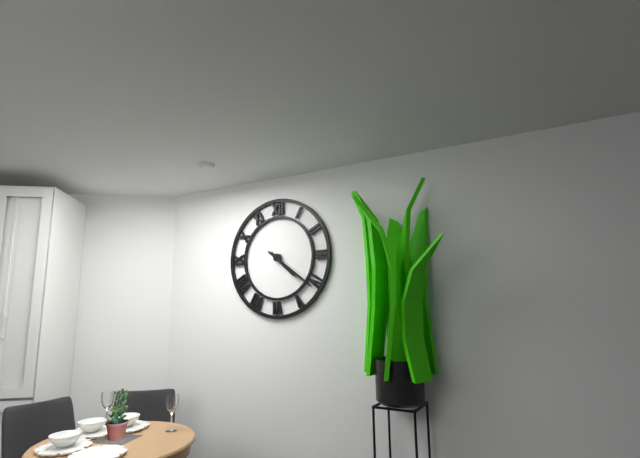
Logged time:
4,21
